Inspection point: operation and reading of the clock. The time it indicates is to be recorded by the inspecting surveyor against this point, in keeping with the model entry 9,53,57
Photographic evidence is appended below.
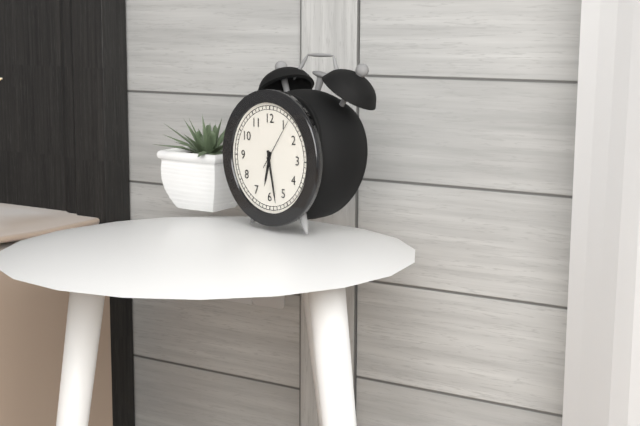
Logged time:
6,28,06
